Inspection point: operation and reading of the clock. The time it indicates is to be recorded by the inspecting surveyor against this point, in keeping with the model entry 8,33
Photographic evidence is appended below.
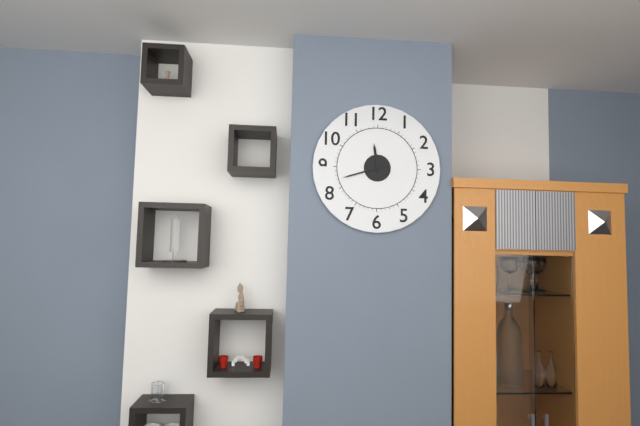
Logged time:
11,42
